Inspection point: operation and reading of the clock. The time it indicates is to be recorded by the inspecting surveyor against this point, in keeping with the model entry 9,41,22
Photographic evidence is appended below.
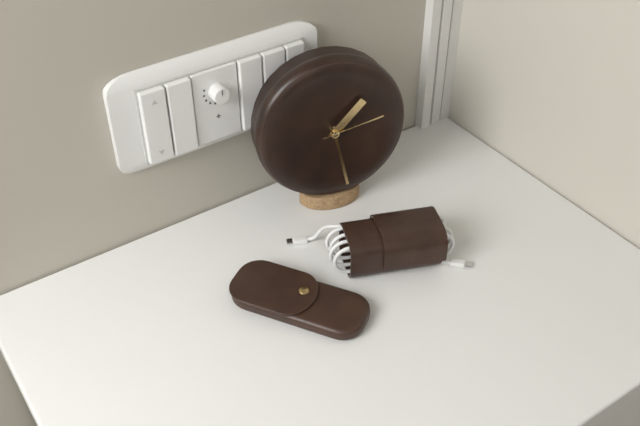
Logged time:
1,28,13
